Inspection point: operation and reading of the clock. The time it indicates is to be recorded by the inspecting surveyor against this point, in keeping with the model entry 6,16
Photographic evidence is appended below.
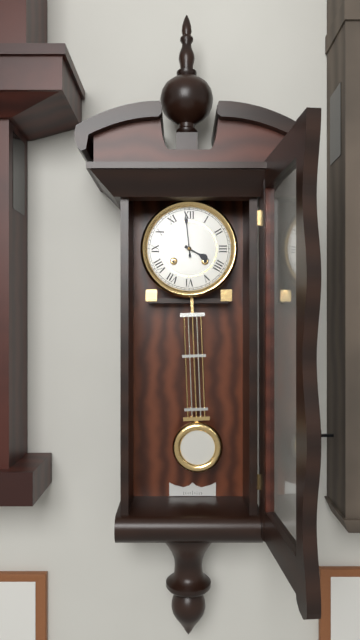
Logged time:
3,59
